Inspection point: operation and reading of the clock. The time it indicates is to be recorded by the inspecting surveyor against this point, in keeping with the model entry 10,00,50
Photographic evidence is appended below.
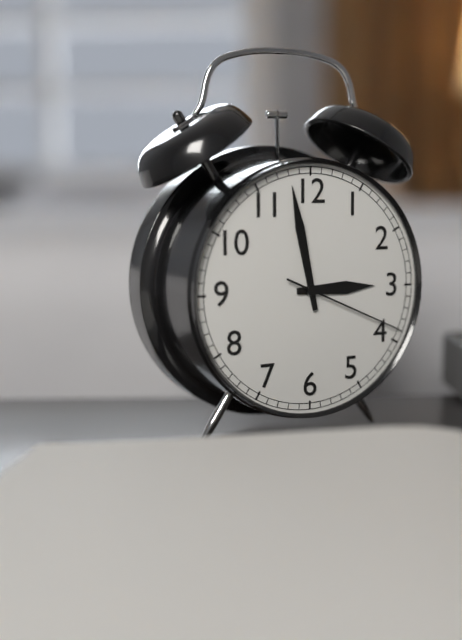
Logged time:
2,58,19
